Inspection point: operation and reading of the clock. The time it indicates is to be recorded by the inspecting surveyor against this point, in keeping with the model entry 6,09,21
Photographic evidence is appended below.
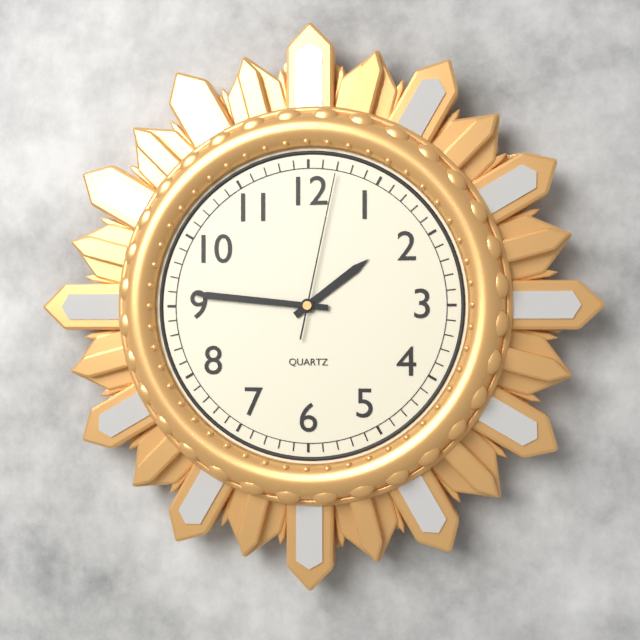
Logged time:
1,46,02
